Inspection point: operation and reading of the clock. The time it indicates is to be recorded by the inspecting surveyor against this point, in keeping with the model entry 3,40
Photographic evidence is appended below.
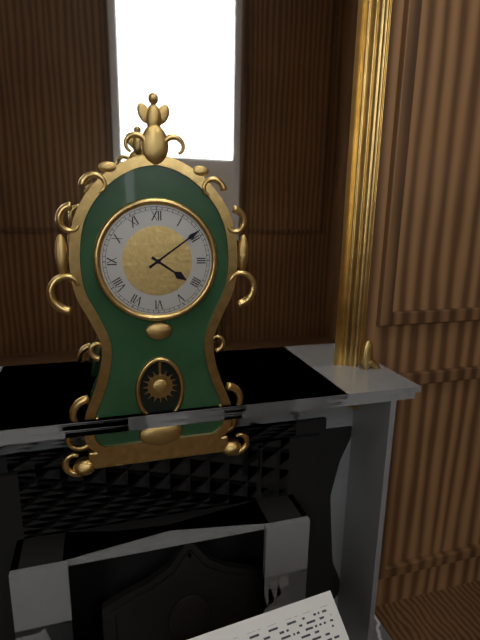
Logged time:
4,09
